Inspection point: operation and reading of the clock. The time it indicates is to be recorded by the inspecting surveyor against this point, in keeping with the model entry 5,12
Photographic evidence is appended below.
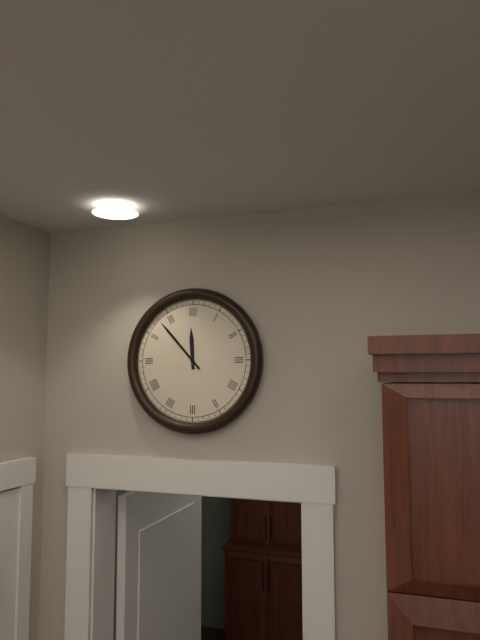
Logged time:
11,53
